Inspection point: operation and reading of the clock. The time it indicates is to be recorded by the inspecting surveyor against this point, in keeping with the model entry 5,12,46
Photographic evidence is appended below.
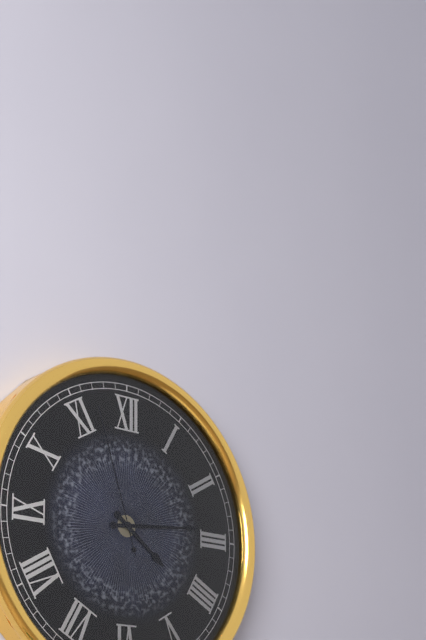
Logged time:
4,14,57
